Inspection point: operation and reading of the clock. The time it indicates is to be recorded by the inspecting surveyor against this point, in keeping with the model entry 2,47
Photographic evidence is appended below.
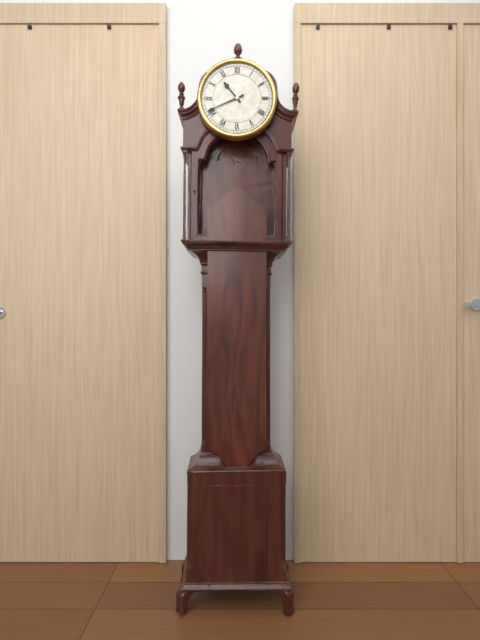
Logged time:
10,41
